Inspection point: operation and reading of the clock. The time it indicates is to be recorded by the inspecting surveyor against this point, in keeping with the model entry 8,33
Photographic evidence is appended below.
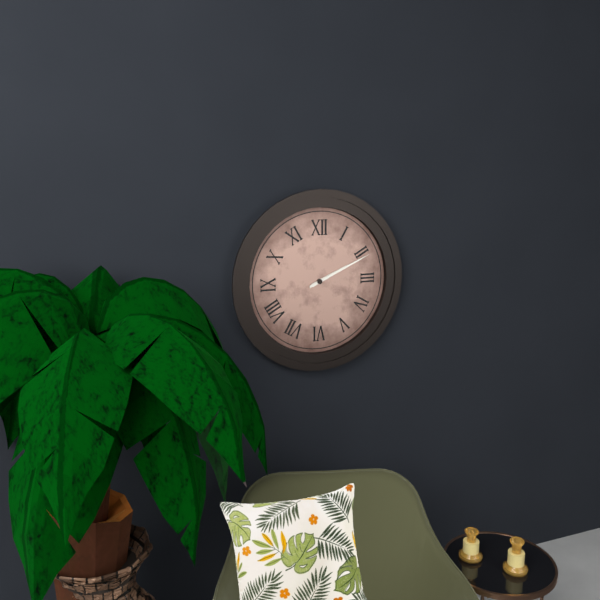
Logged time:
2,11
